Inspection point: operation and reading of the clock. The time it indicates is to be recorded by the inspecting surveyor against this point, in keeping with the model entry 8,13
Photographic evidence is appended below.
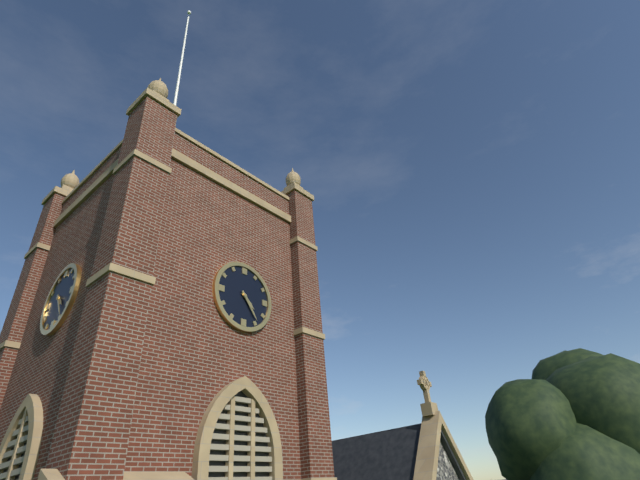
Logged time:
4,24
